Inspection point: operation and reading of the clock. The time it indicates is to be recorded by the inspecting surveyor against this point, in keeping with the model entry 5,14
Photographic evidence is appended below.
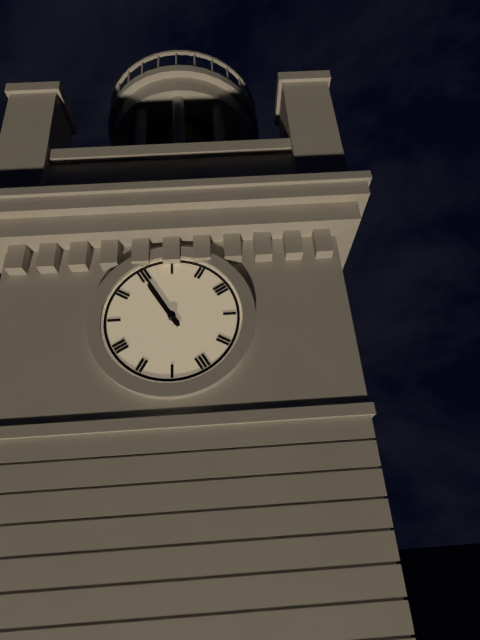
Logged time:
10,55
